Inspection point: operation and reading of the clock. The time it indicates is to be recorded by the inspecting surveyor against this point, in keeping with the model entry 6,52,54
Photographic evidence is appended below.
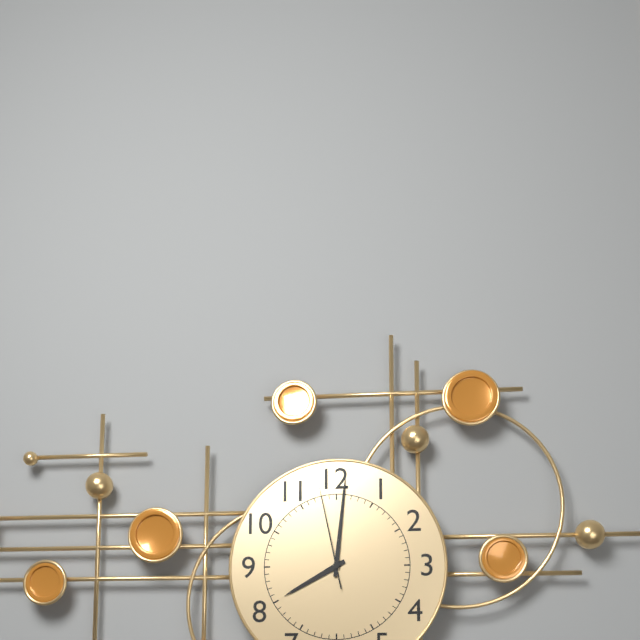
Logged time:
8,01,58
